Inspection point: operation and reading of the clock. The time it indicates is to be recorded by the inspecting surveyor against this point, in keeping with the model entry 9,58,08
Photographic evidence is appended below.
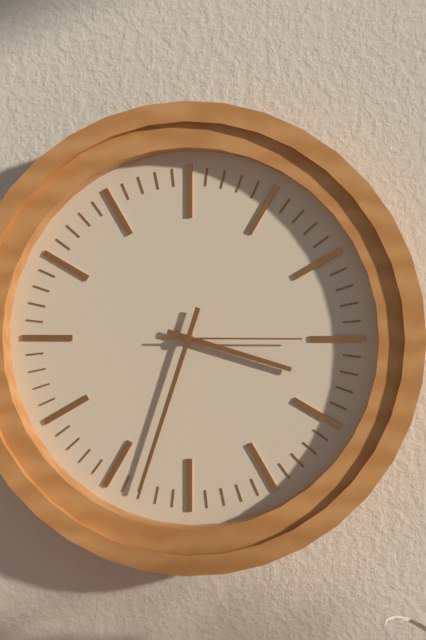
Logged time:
3,33,15
